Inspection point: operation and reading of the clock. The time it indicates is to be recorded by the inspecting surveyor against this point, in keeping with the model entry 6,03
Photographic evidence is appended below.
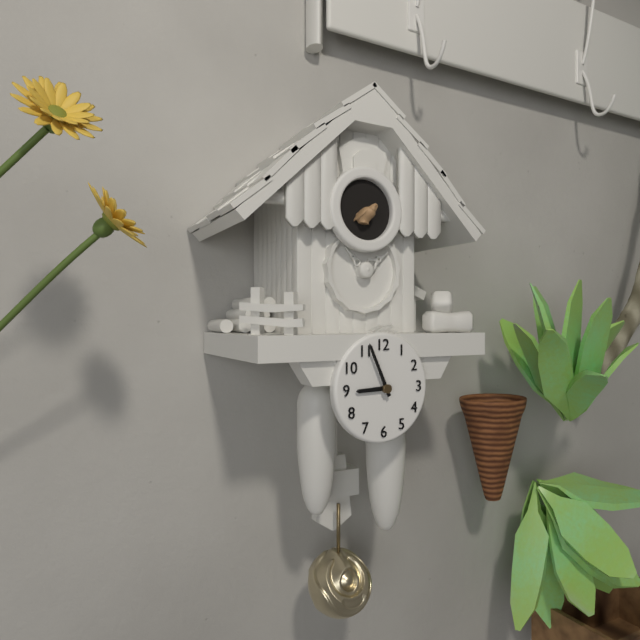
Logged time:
8,56
